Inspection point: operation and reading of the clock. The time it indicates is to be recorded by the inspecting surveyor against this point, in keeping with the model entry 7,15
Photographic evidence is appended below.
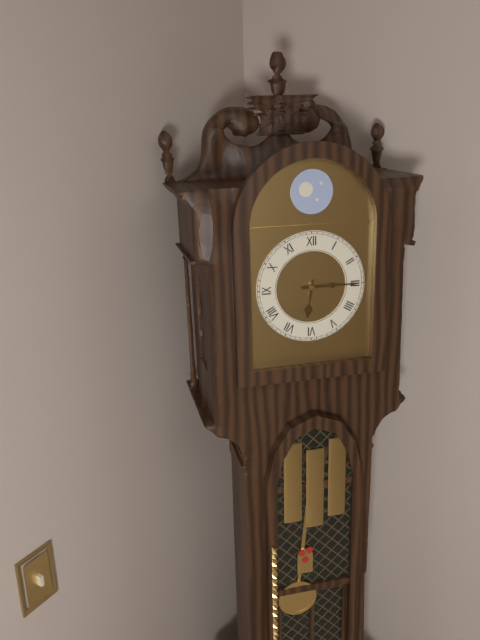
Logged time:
6,15
